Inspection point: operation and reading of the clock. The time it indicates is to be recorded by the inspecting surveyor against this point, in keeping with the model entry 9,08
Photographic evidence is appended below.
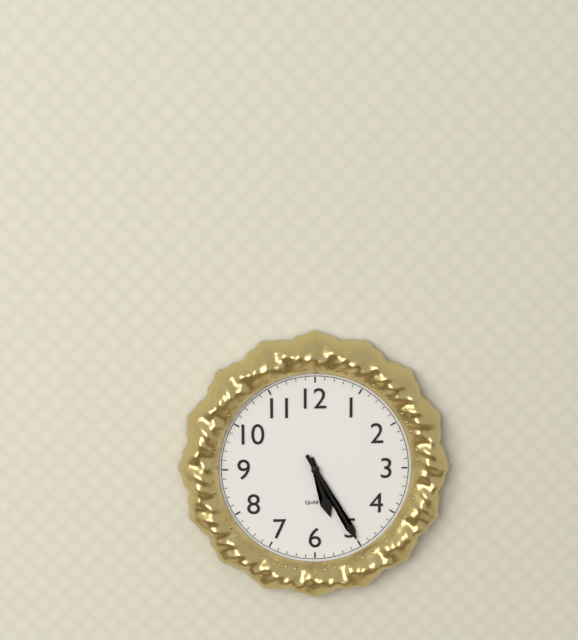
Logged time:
5,25
